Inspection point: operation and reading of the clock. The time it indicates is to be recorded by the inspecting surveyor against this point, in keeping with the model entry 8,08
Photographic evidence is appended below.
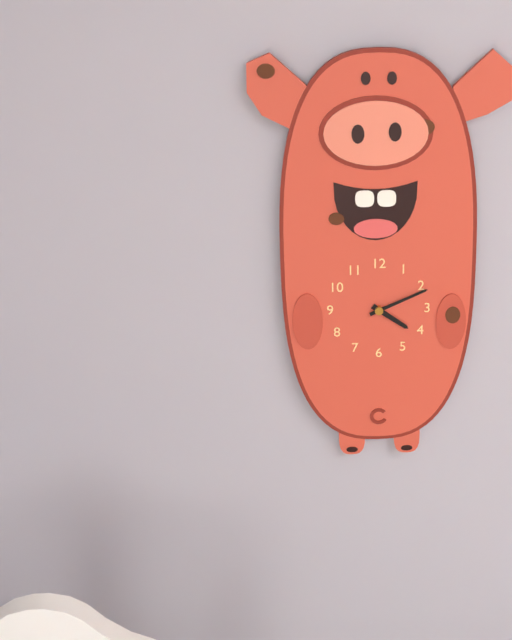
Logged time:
4,11
